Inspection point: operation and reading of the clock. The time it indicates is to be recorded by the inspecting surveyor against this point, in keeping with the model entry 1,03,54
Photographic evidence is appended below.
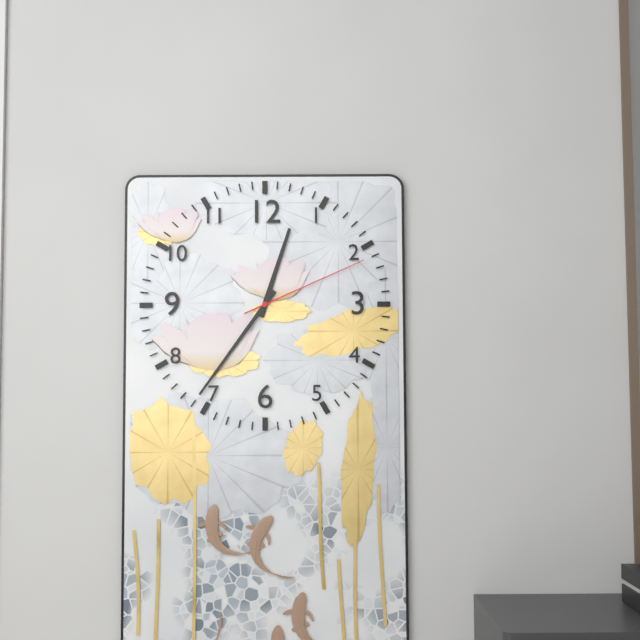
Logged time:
12,36,11
